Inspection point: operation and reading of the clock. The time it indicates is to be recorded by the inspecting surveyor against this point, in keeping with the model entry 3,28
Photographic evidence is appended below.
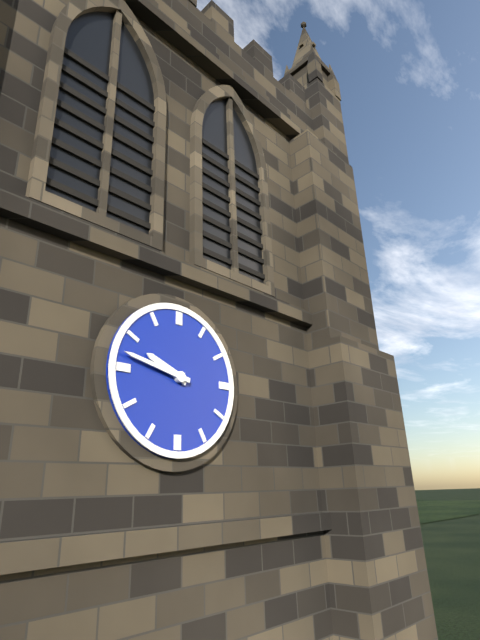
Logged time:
9,47
